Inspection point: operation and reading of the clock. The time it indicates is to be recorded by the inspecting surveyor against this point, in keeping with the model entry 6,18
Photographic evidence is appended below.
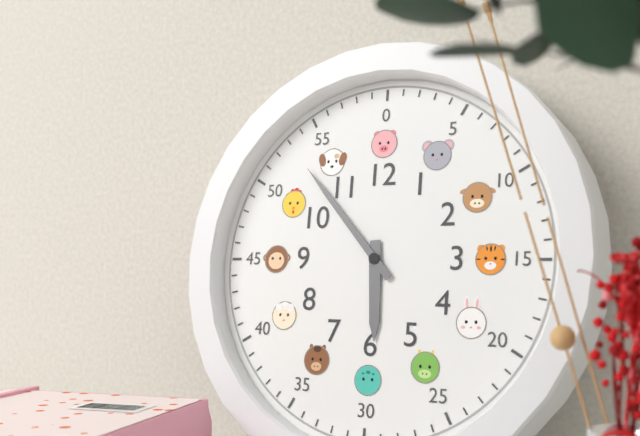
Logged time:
5,53
